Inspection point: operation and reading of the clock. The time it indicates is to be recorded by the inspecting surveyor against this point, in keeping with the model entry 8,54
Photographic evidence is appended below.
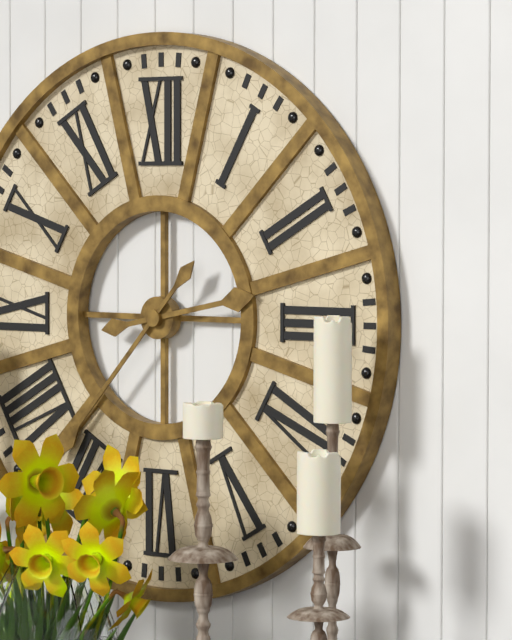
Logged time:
2,37
